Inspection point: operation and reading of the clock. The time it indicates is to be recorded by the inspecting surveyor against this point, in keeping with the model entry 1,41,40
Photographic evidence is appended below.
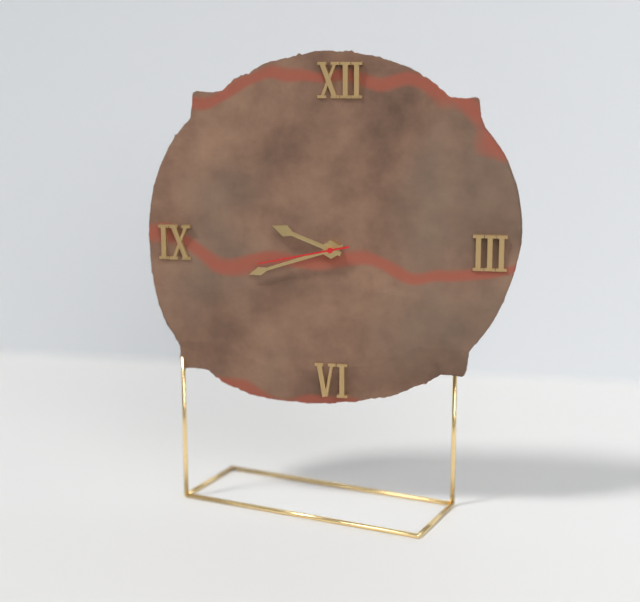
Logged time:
9,42,43
